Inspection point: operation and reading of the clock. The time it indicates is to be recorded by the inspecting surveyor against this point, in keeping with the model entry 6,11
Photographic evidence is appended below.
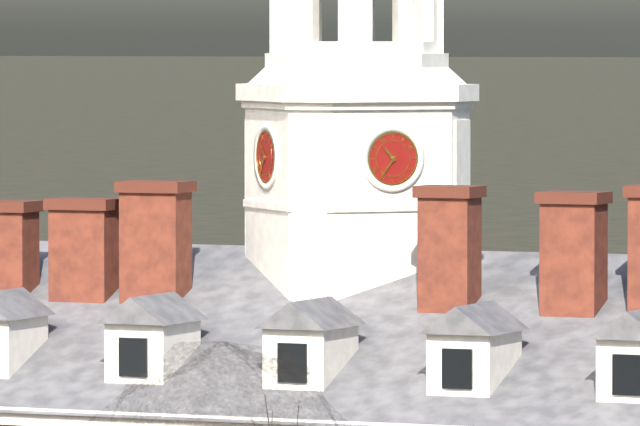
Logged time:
10,36
